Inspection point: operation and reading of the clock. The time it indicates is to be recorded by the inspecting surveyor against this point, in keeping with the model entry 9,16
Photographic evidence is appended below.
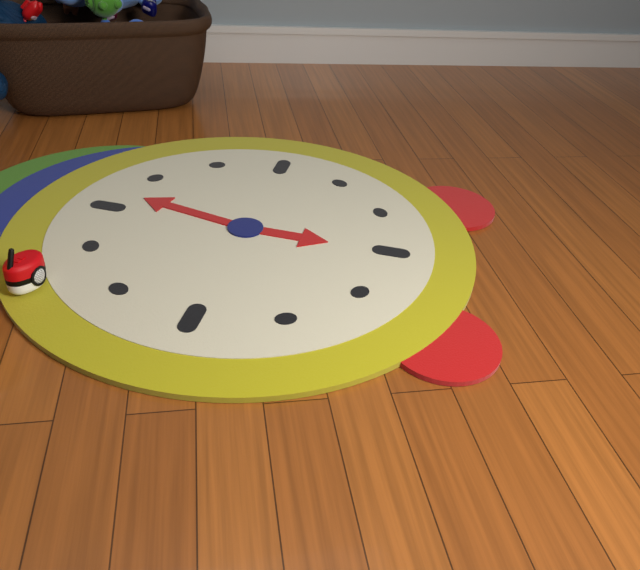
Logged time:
6,02
